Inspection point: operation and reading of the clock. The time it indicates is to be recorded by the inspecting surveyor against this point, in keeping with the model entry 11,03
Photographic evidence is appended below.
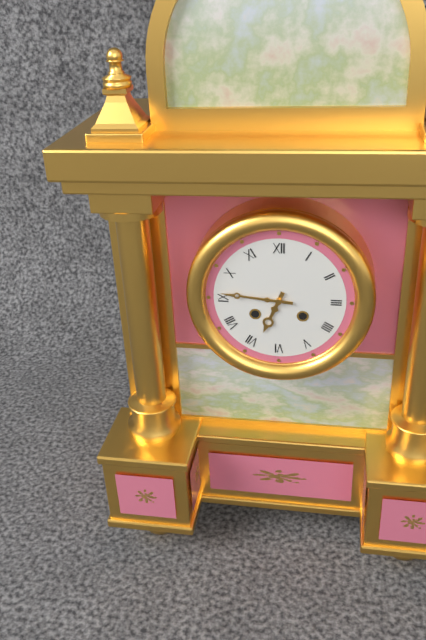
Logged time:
6,46
